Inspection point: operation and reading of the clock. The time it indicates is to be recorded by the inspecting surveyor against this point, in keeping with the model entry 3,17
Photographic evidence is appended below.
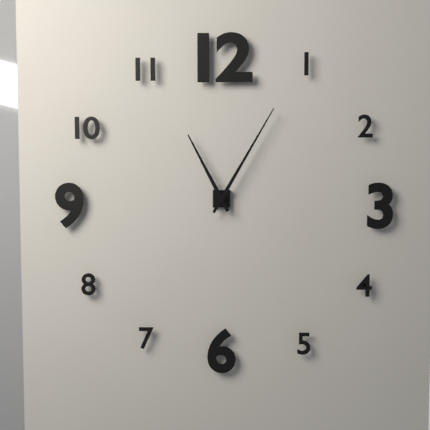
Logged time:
11,05
